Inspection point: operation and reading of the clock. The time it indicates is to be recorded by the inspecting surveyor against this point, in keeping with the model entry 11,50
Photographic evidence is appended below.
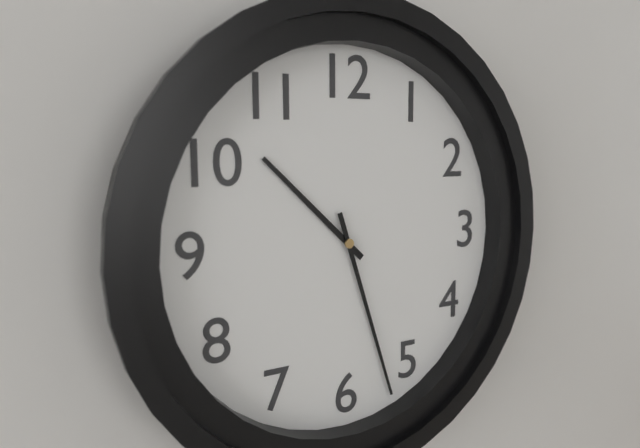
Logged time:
10,27
